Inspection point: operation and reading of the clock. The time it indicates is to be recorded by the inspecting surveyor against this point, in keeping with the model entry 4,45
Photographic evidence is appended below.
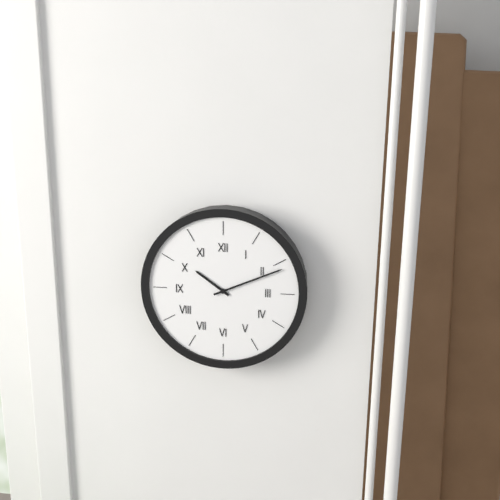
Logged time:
10,11
